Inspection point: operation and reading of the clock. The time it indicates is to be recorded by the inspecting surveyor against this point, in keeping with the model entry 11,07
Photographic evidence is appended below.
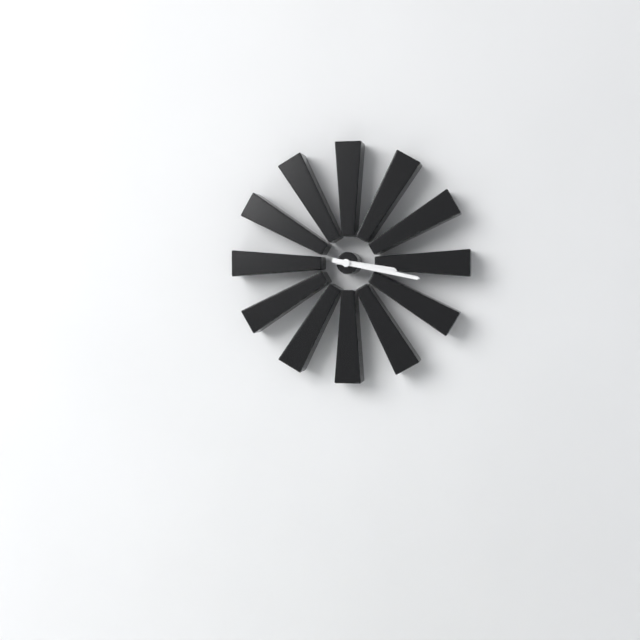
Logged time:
3,17
